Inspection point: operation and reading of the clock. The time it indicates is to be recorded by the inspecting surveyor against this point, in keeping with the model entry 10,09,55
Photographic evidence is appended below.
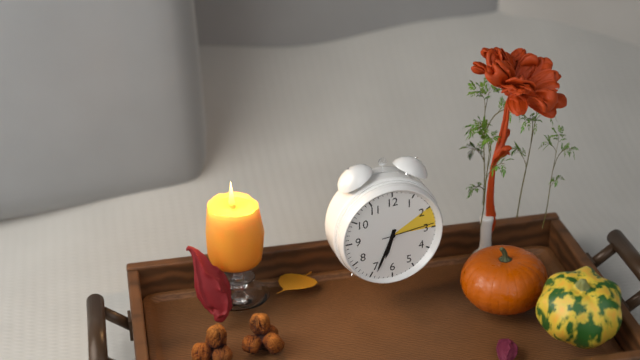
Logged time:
6,34,14
